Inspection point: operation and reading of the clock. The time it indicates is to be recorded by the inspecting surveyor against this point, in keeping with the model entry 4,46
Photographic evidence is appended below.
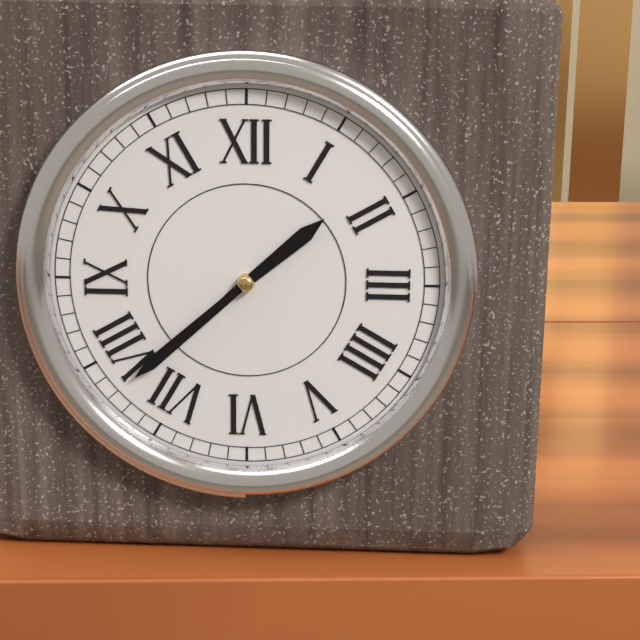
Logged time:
1,38
